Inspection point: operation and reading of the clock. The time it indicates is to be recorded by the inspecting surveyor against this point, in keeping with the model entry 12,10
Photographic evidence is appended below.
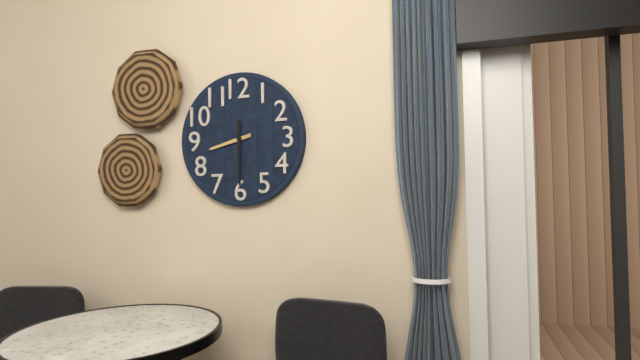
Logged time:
8,30
